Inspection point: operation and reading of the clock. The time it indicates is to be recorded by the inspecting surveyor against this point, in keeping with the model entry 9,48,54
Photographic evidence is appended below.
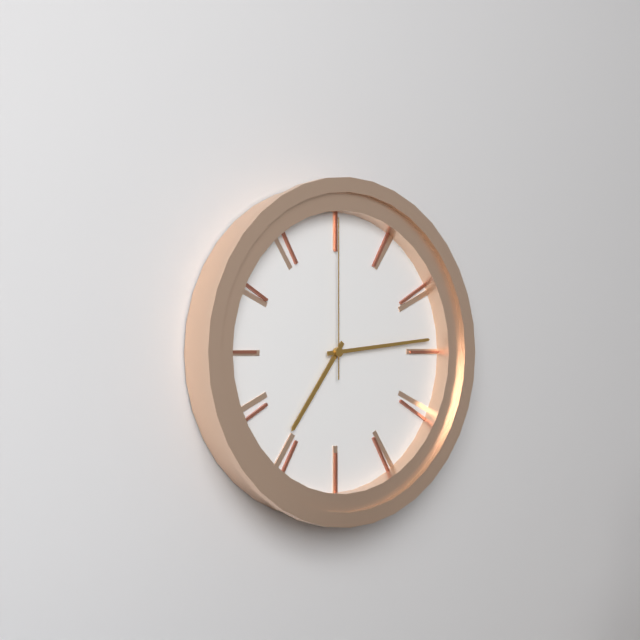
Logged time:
7,14,00
